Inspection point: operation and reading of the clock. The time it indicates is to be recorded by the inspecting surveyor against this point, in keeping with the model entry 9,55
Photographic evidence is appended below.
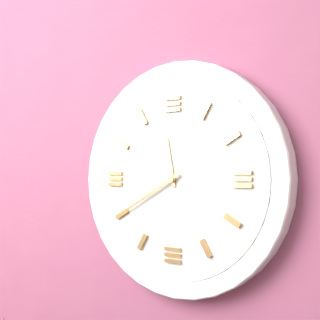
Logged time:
11,40
